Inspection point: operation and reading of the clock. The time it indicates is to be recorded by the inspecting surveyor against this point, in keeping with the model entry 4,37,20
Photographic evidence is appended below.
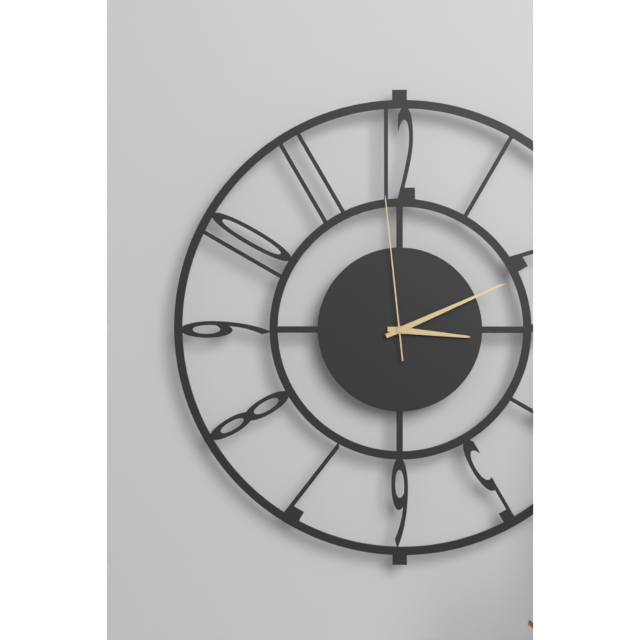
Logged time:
3,11,59
